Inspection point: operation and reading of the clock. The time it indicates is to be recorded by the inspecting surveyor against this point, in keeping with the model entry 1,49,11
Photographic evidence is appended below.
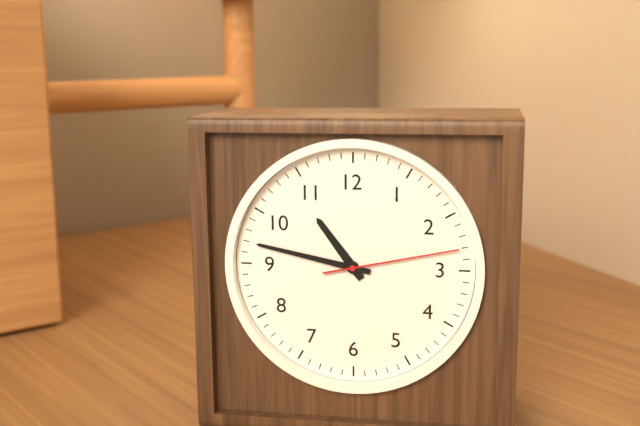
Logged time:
10,47,13
